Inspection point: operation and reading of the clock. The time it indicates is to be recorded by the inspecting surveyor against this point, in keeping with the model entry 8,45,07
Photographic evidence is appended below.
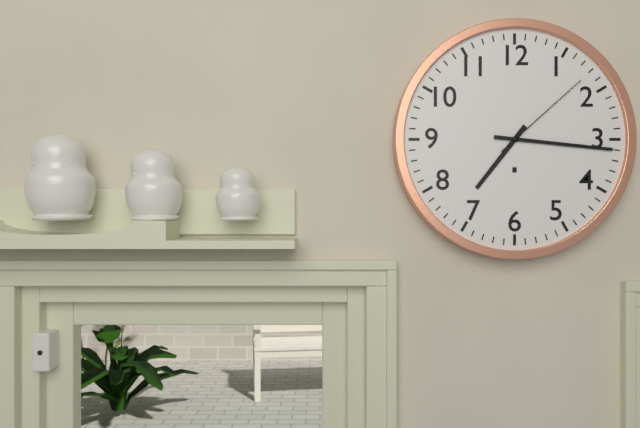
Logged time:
7,16,08
